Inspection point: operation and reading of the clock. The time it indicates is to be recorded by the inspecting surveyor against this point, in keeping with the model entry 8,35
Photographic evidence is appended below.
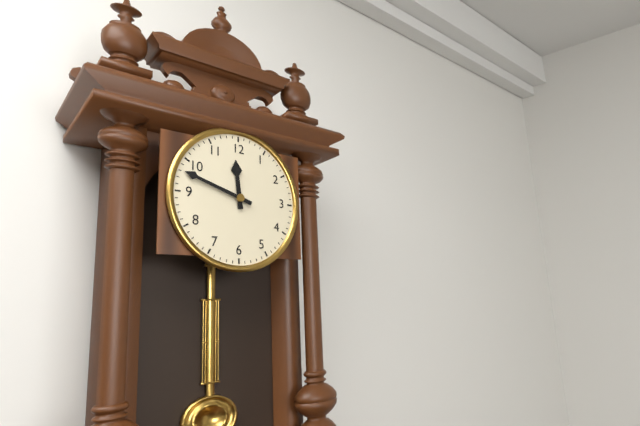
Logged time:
11,48
